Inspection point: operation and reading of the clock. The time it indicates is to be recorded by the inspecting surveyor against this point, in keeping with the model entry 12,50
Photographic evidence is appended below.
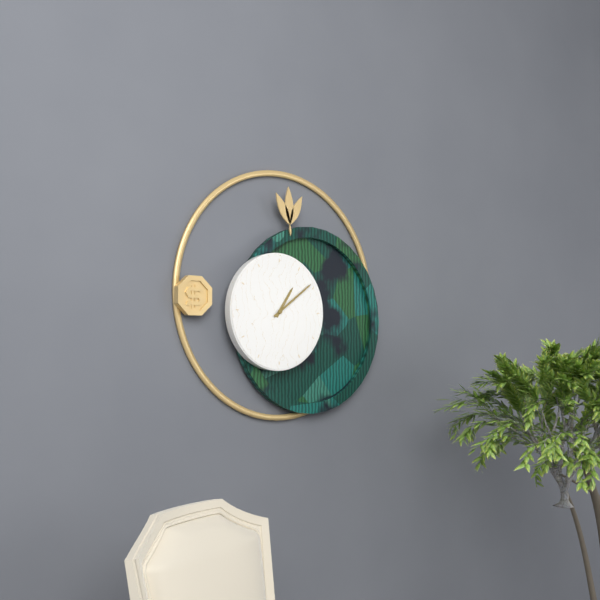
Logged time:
1,09
